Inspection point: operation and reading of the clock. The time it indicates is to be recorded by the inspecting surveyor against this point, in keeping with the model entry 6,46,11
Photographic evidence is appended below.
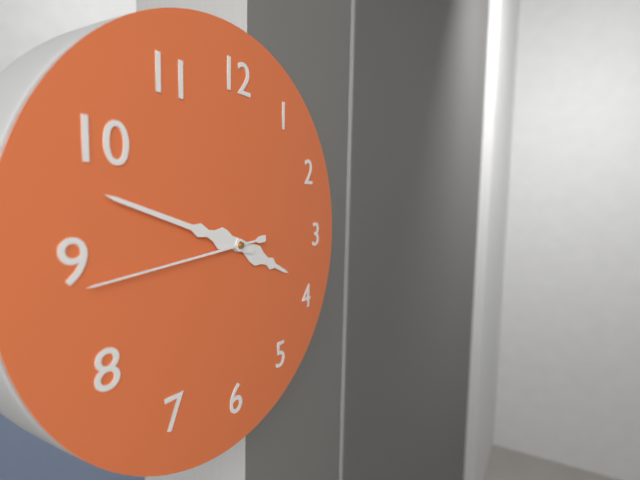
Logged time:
3,48,44
